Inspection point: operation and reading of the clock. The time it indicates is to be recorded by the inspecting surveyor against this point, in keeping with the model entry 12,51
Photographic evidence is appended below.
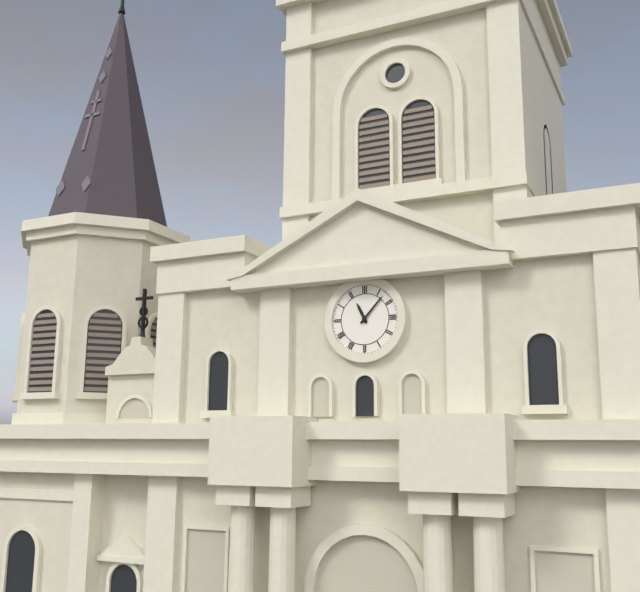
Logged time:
11,07
